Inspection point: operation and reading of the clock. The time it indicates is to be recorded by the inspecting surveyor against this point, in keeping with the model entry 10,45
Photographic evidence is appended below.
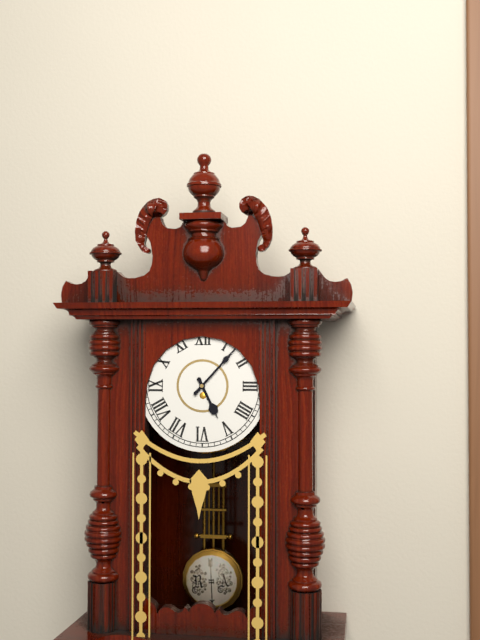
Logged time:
5,07
